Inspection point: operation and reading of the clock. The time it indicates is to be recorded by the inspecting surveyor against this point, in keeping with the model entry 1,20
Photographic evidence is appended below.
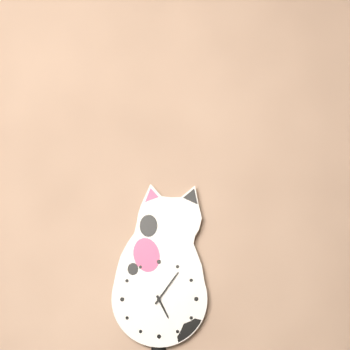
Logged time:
5,06
